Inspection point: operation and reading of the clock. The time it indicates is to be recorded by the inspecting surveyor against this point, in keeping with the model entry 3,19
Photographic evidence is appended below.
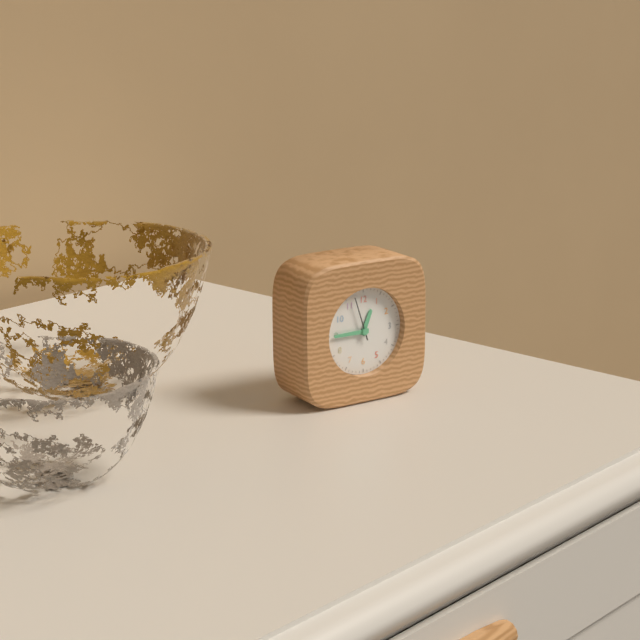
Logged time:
12,45
